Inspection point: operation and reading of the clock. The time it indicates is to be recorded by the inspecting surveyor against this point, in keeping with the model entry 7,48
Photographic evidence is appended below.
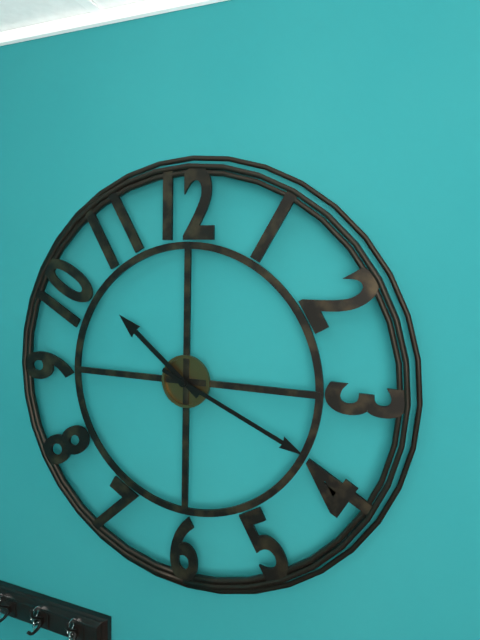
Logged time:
10,19
